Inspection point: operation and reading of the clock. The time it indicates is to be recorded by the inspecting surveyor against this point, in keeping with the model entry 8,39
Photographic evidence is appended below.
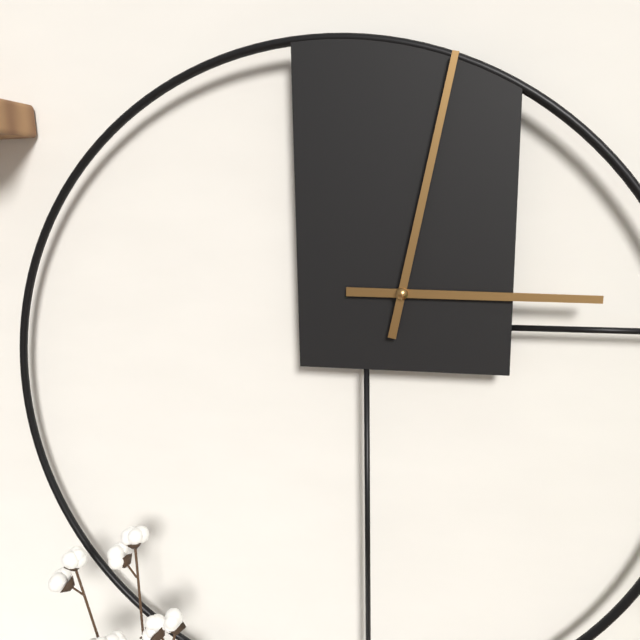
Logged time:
3,02
